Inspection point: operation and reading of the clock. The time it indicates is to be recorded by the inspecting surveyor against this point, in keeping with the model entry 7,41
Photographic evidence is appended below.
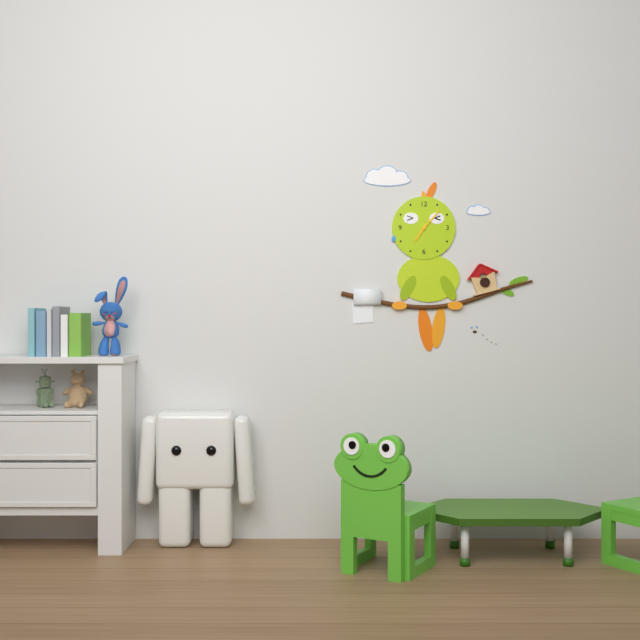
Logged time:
7,07
